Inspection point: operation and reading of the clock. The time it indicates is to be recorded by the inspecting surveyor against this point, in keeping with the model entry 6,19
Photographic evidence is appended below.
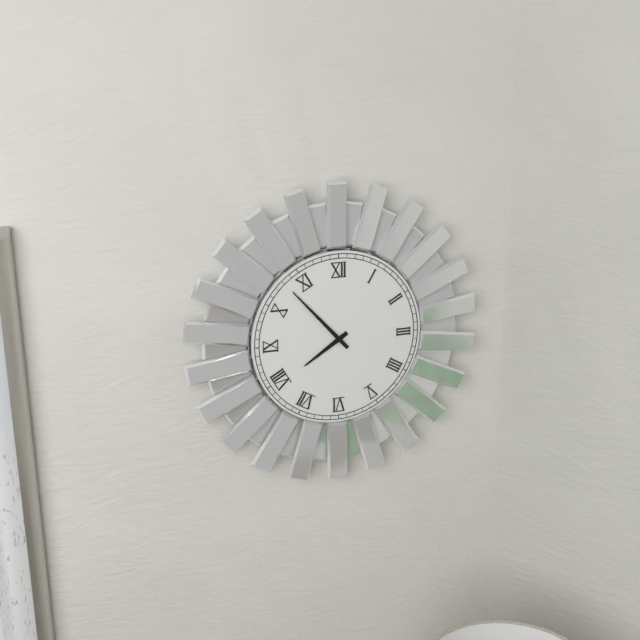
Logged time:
7,53
